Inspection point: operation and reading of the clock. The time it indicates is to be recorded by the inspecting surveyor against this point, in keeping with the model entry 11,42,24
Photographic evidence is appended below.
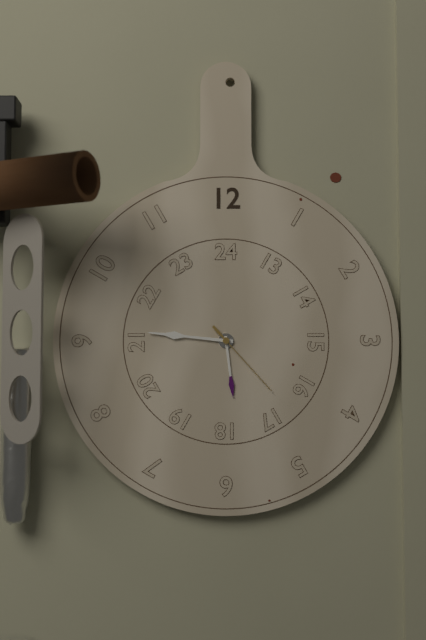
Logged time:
5,46,23
